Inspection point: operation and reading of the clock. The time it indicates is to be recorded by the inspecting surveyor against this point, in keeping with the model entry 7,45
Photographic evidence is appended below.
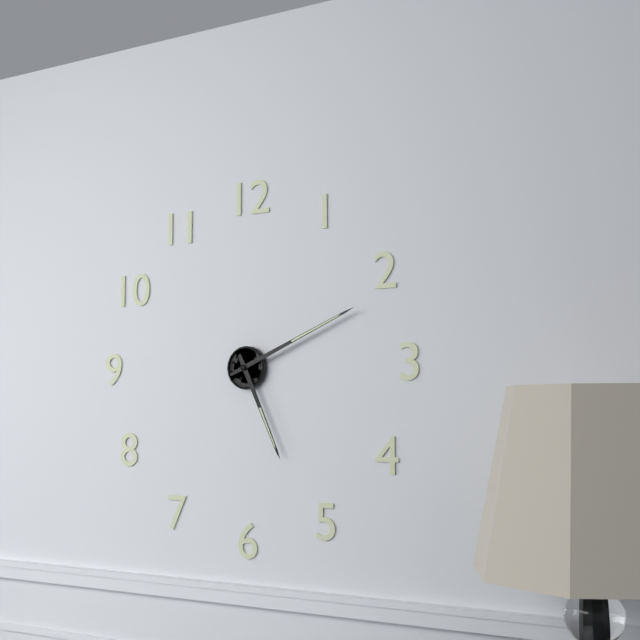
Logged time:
5,11
